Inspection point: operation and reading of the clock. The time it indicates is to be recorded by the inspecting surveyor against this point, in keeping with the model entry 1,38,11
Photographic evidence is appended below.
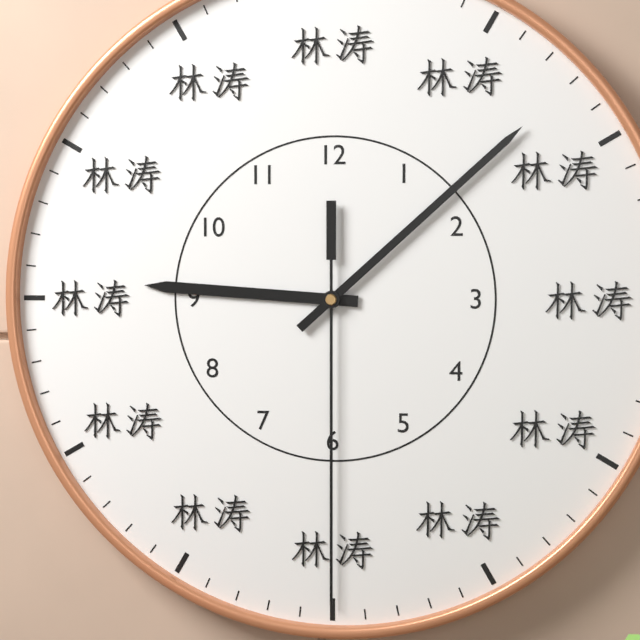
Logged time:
9,08,30
